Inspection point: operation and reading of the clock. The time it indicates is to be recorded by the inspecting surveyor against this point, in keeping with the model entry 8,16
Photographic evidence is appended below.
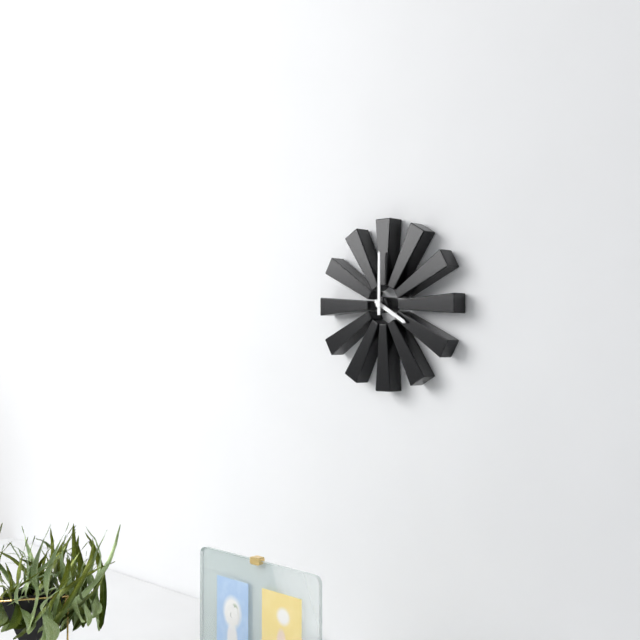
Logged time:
4,00
